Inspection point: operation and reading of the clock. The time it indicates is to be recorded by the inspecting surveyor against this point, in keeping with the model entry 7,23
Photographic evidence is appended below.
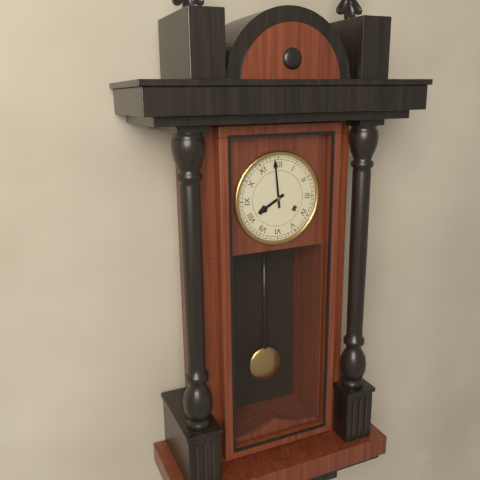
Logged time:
7,59
